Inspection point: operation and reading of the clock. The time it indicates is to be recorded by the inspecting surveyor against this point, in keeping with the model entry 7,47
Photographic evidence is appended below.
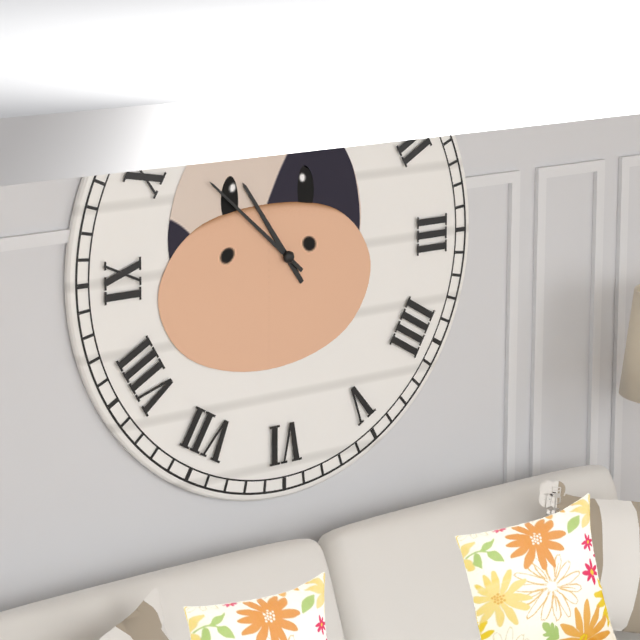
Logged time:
10,52
